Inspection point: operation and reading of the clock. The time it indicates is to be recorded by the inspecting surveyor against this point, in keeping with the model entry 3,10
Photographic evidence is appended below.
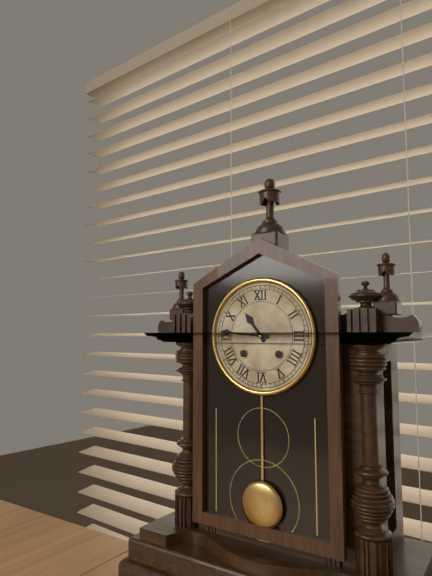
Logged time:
10,46
